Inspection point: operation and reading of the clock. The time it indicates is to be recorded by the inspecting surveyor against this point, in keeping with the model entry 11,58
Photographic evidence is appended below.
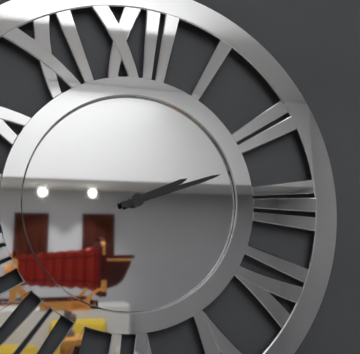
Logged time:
2,12
